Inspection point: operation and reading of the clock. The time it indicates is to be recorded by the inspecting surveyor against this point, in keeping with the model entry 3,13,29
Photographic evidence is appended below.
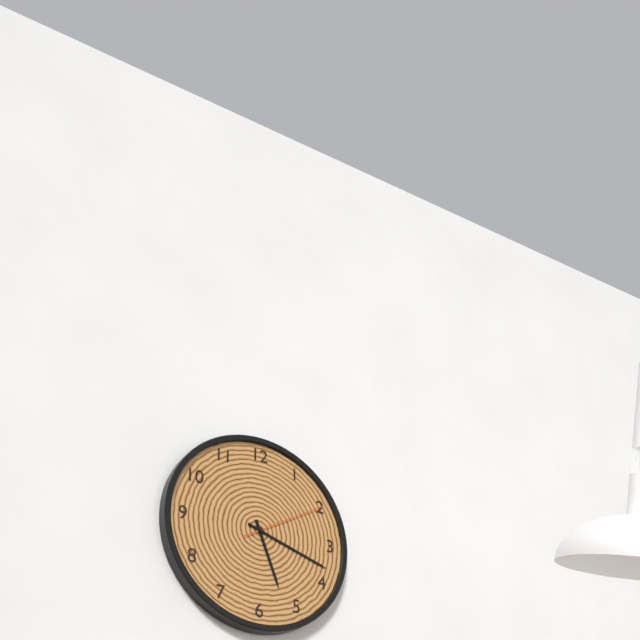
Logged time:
5,18,10
